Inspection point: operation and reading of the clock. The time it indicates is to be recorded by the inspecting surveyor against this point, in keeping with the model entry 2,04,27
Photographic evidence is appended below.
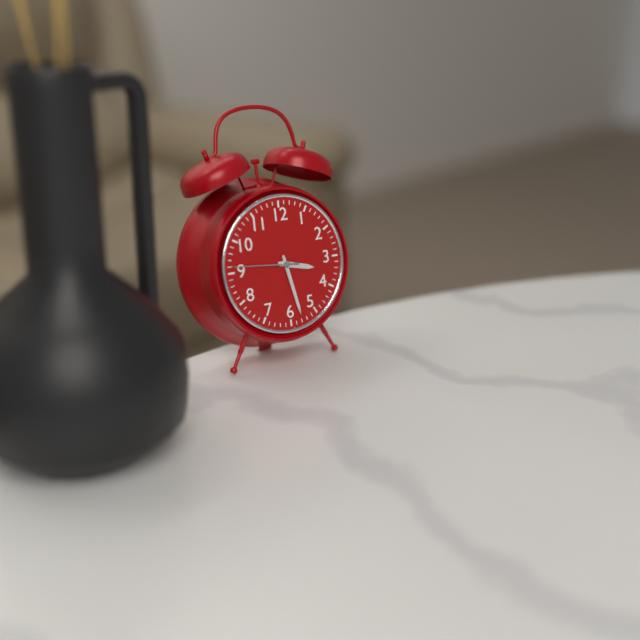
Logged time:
3,28,46
